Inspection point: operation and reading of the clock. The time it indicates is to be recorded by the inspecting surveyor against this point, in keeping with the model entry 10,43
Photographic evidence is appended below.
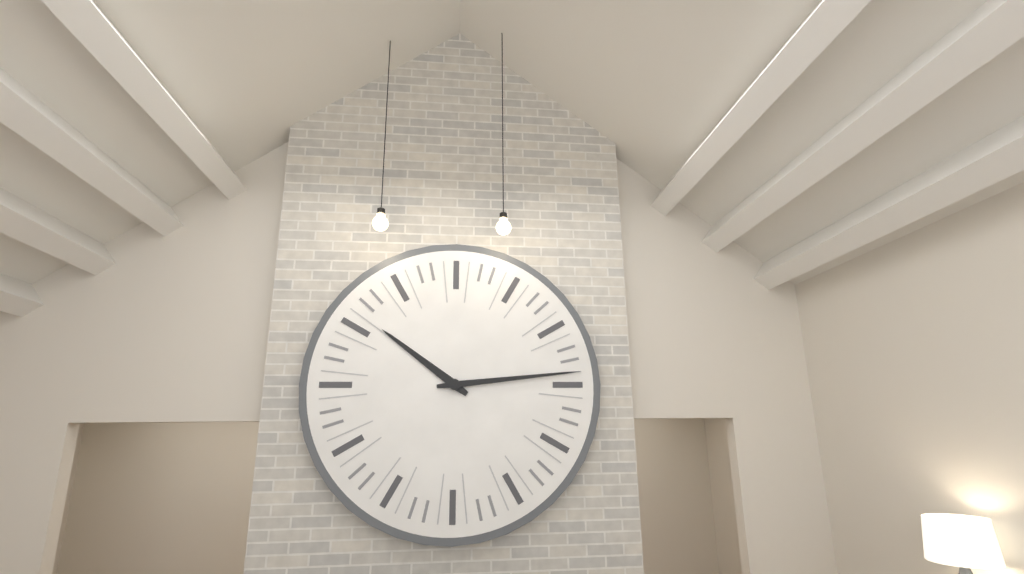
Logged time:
10,14
